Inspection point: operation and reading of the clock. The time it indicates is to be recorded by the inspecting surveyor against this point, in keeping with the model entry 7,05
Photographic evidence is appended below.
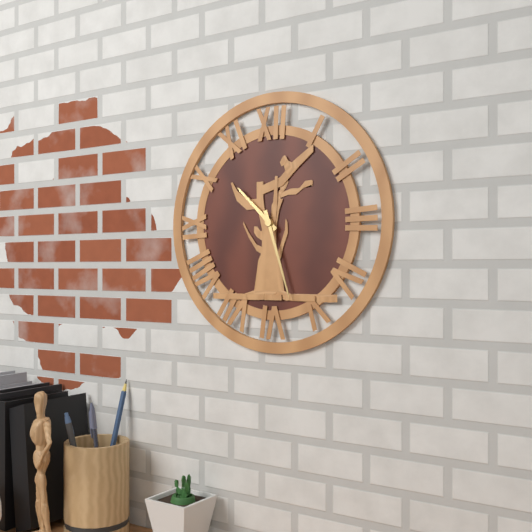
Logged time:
10,27
